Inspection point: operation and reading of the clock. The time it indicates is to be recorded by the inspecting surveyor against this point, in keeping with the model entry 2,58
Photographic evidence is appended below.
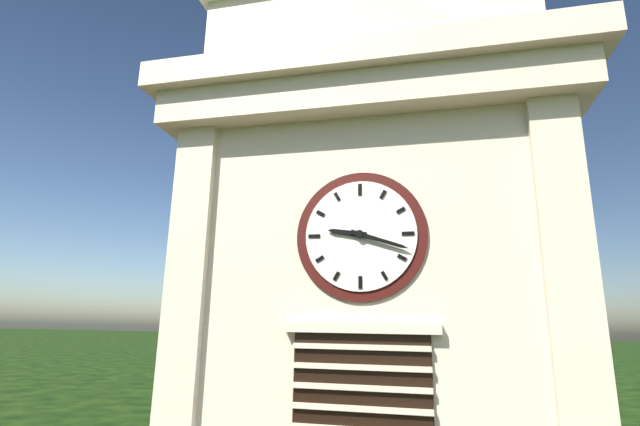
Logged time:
9,18
